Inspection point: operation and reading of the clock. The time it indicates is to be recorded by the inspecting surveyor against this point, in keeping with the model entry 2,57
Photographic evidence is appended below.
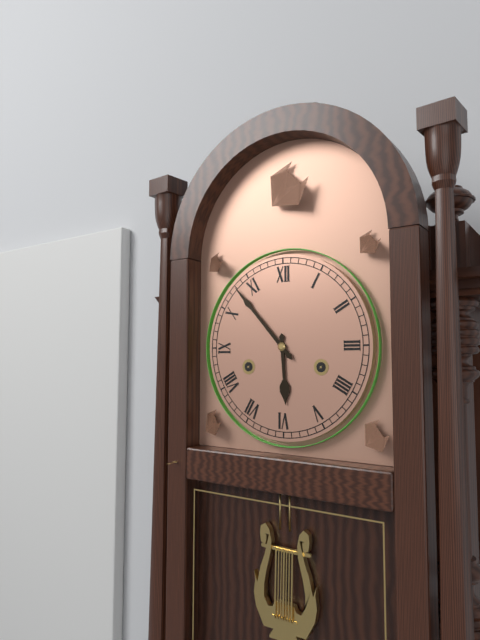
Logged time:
5,53
